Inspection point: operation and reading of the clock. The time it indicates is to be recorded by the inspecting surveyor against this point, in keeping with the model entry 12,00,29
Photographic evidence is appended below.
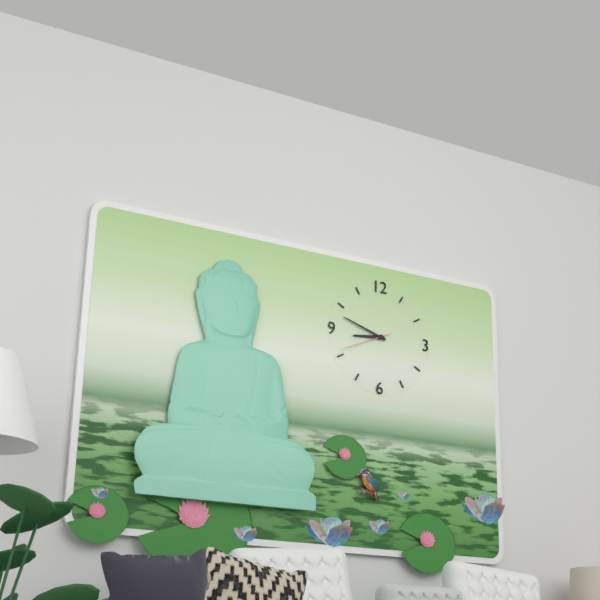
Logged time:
8,48,41
